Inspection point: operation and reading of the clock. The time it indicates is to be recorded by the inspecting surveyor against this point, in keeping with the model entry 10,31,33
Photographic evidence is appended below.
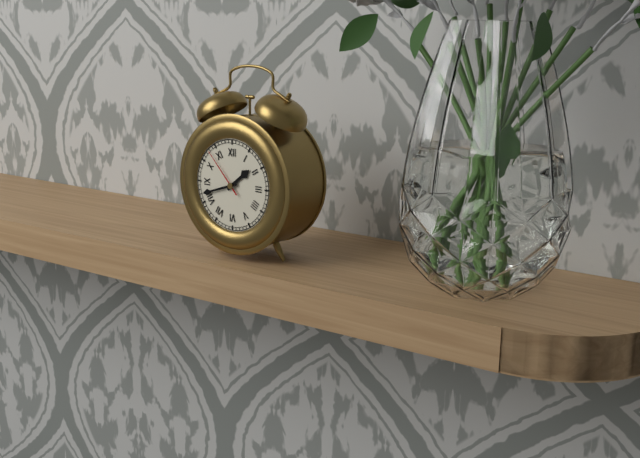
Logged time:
1,42,53
